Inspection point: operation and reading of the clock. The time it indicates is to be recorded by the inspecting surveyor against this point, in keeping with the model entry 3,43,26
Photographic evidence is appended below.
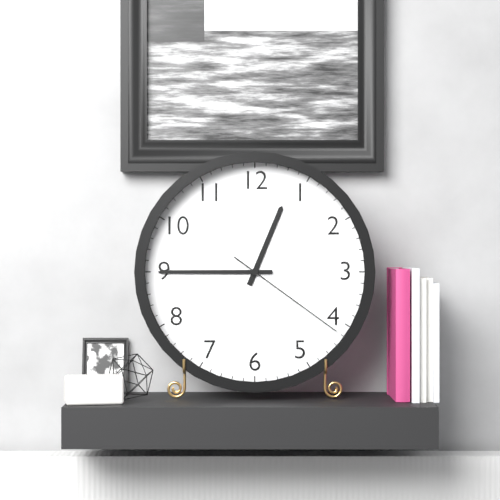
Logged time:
12,45,21
